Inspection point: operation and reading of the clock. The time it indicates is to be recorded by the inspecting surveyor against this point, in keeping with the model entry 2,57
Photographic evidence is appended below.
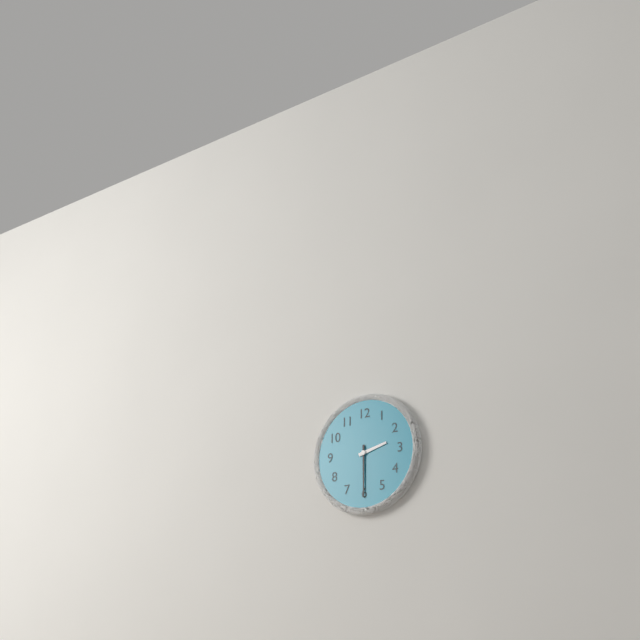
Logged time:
2,30
